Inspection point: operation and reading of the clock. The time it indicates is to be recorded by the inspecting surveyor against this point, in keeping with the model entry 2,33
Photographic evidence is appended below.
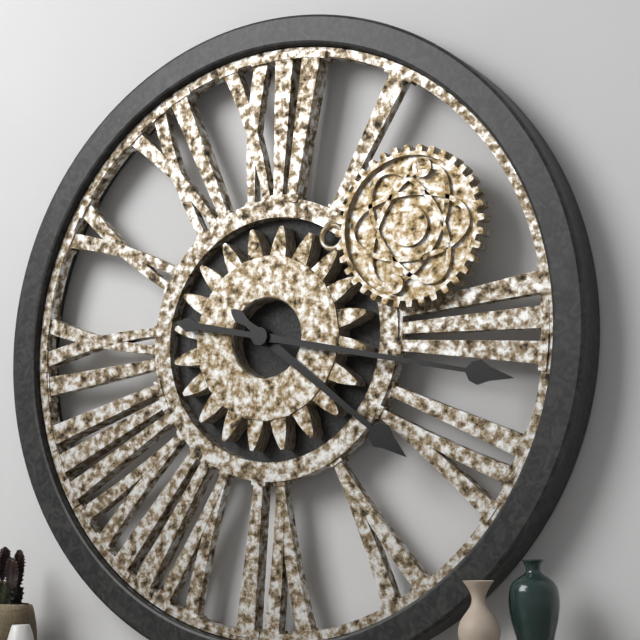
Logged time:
4,17
